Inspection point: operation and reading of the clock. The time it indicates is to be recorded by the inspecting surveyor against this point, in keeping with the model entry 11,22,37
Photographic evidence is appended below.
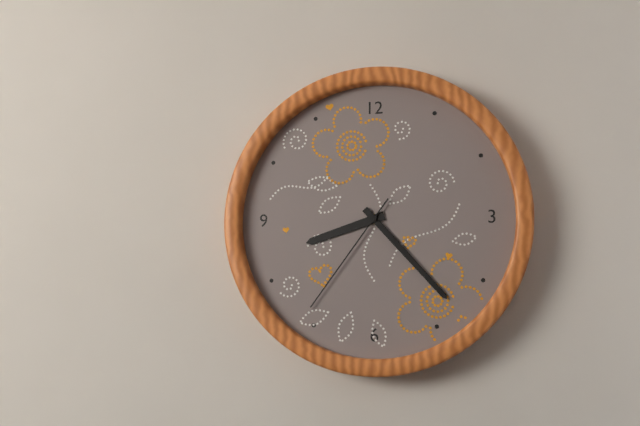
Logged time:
8,23,36
